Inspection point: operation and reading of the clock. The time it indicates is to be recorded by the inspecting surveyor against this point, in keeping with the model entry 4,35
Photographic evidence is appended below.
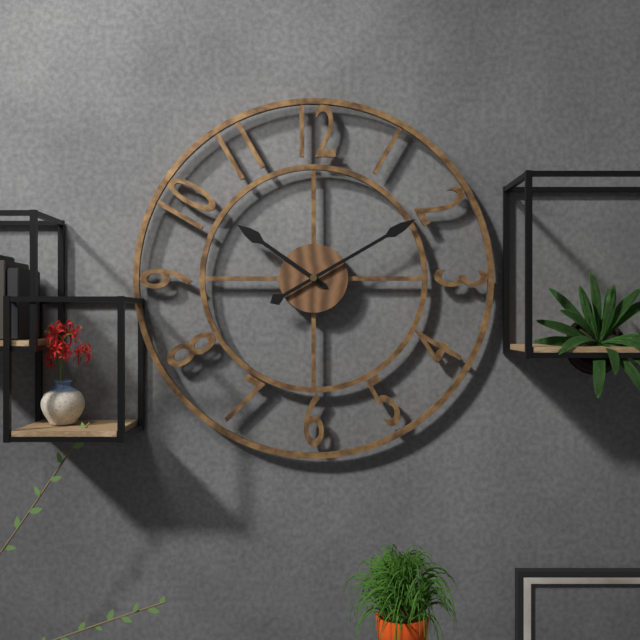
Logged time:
10,10
